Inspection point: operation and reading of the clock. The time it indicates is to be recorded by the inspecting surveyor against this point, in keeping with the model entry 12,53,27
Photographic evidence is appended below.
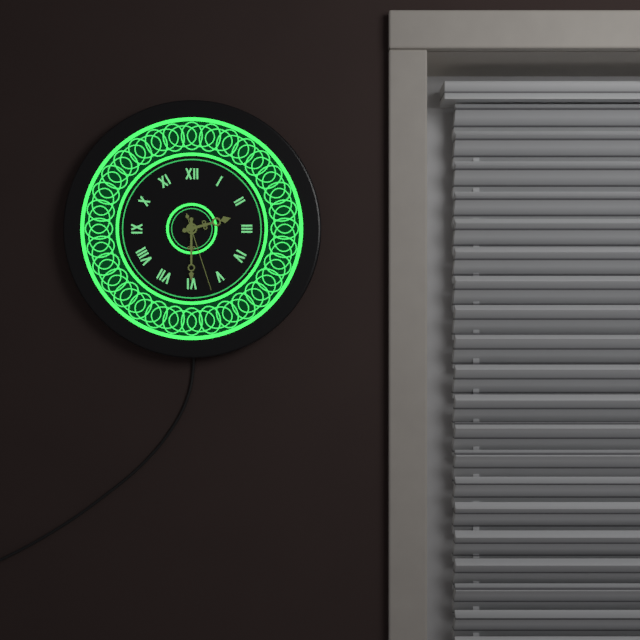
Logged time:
2,30,27
